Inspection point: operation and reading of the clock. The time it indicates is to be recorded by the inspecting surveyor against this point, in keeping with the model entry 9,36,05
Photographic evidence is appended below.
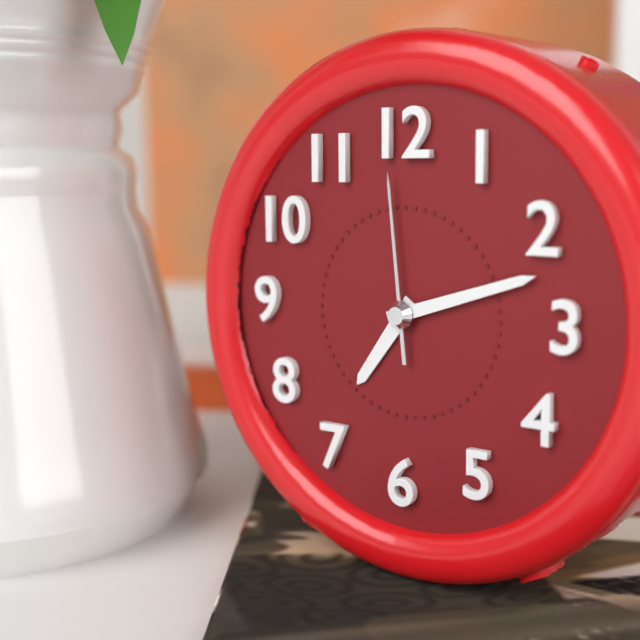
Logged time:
7,12,59
